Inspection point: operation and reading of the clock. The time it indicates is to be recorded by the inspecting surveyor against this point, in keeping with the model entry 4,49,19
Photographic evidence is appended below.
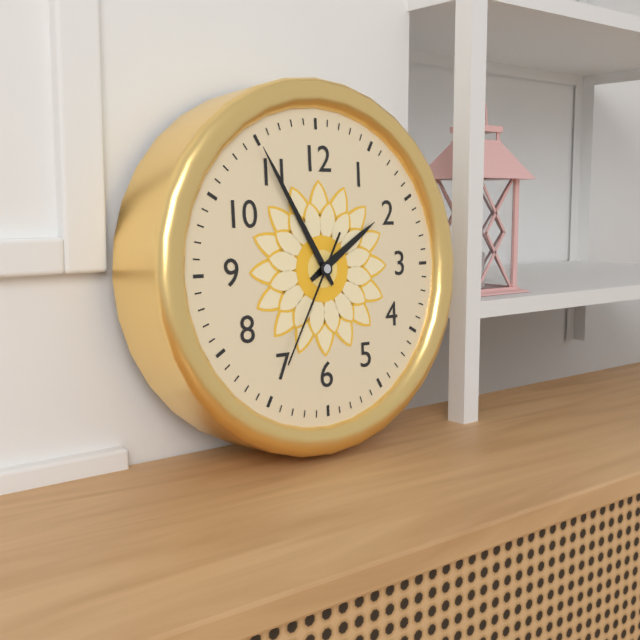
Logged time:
1,55,35
